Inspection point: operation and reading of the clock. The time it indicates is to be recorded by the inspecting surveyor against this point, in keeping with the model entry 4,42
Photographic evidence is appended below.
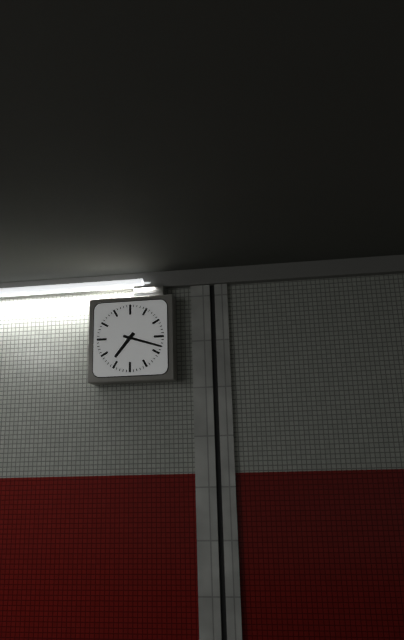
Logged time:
7,18
